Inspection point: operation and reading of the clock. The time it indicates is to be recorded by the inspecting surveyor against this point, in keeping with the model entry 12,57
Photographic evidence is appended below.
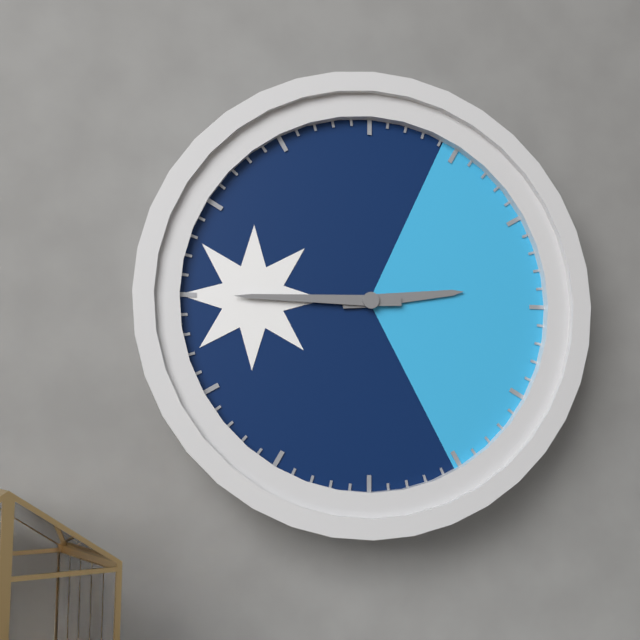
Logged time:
2,45
